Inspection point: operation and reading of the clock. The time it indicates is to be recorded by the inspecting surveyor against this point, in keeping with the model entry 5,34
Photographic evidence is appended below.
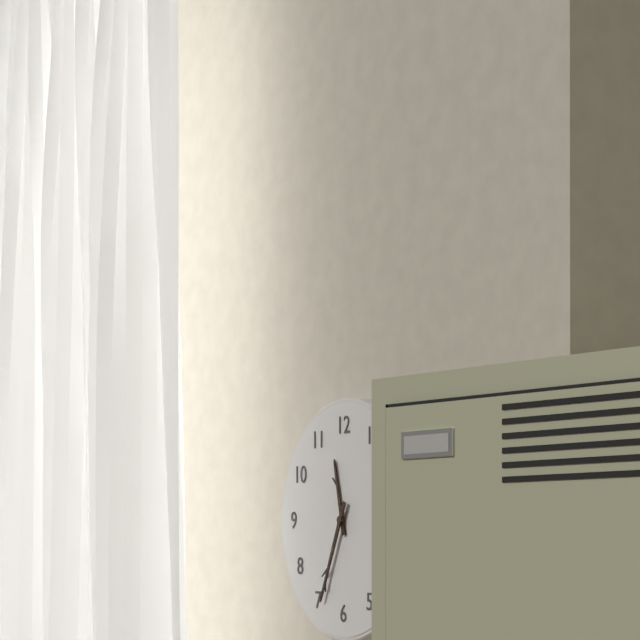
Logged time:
11,34
